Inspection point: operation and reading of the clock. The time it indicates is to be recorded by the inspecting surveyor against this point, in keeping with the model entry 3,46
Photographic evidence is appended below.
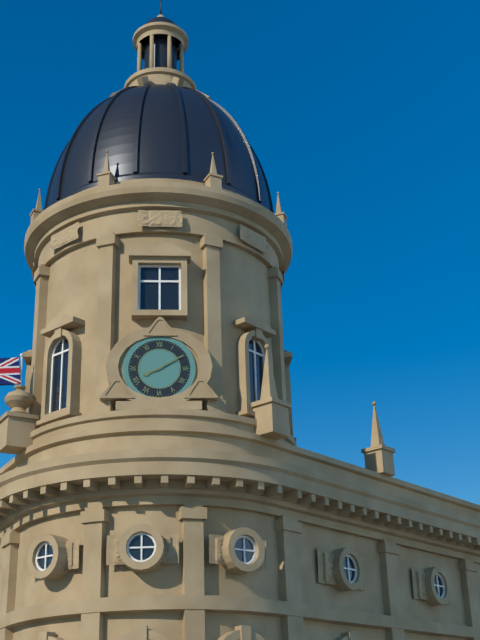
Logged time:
8,10
